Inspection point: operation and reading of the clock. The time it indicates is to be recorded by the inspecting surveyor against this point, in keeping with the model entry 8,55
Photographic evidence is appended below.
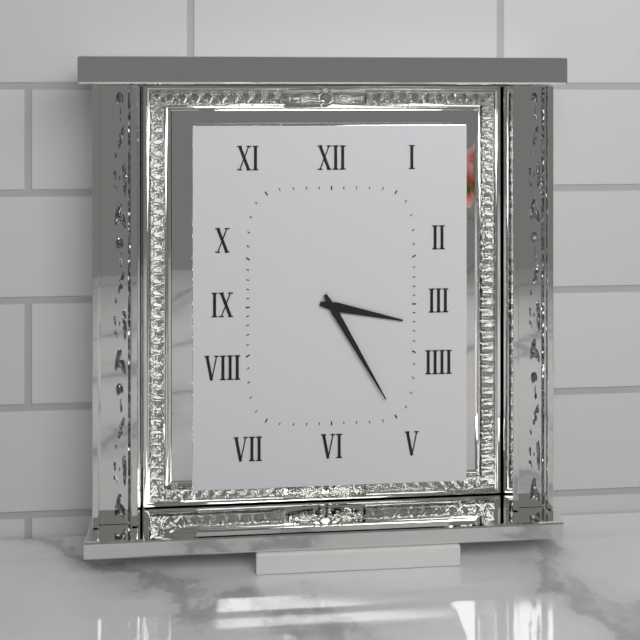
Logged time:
3,25
